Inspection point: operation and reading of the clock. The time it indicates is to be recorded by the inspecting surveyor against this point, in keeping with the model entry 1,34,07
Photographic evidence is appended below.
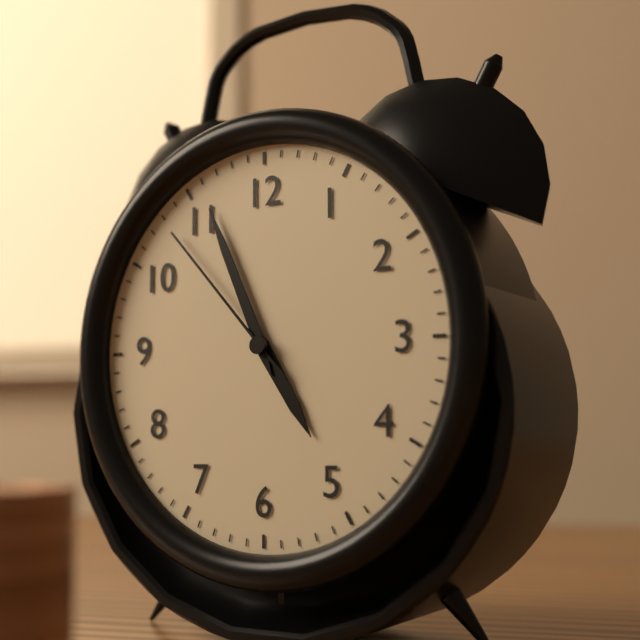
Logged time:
4,56,53
